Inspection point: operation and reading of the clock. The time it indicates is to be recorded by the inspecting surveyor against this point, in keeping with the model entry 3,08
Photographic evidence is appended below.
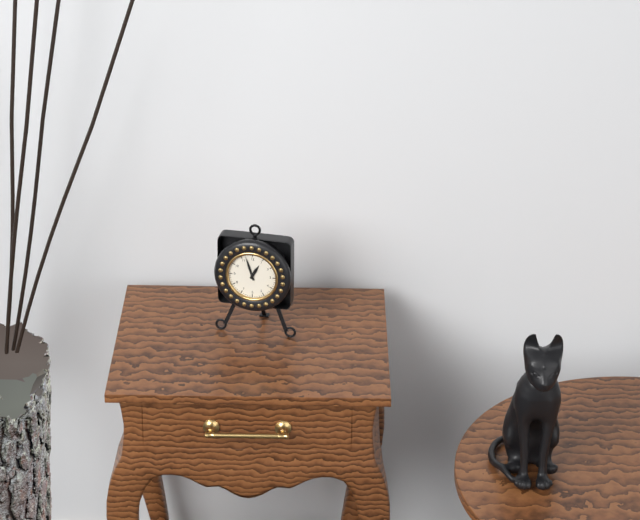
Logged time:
12,57
